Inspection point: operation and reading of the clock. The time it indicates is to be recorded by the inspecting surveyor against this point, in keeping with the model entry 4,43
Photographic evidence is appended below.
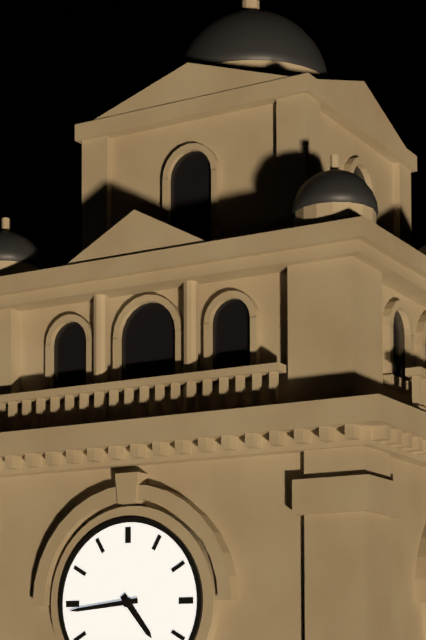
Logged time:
4,44
